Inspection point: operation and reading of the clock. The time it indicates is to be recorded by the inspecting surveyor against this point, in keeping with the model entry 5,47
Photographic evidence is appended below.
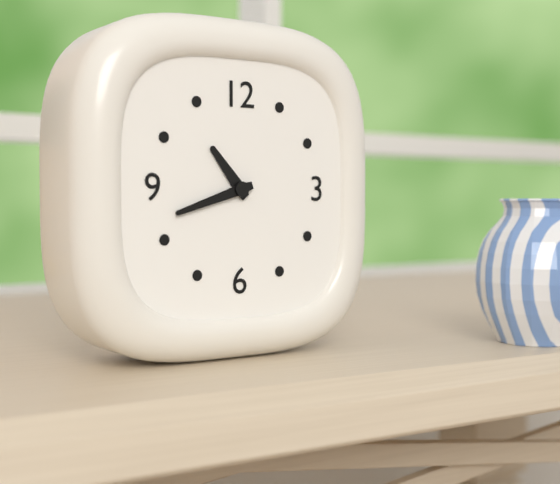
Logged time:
10,42
